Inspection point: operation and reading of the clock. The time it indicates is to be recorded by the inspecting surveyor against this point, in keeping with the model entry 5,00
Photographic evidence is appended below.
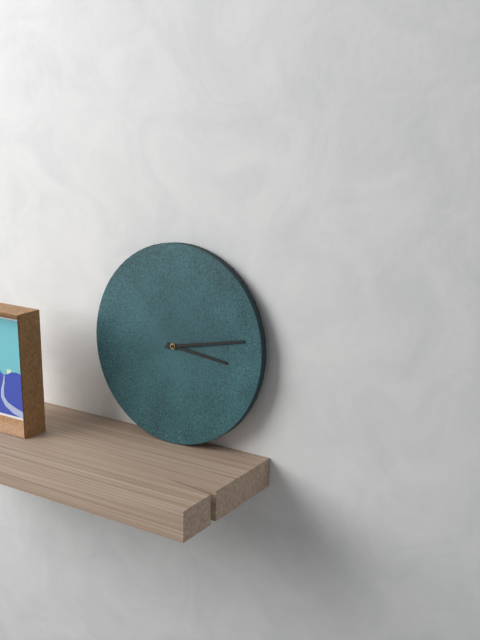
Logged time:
3,13
